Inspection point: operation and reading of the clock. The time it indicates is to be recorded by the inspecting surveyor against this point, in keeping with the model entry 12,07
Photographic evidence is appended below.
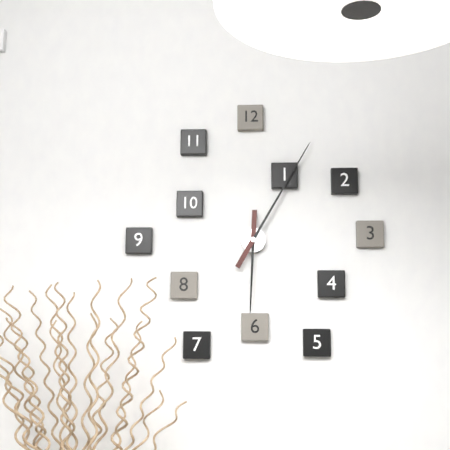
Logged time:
6,05
